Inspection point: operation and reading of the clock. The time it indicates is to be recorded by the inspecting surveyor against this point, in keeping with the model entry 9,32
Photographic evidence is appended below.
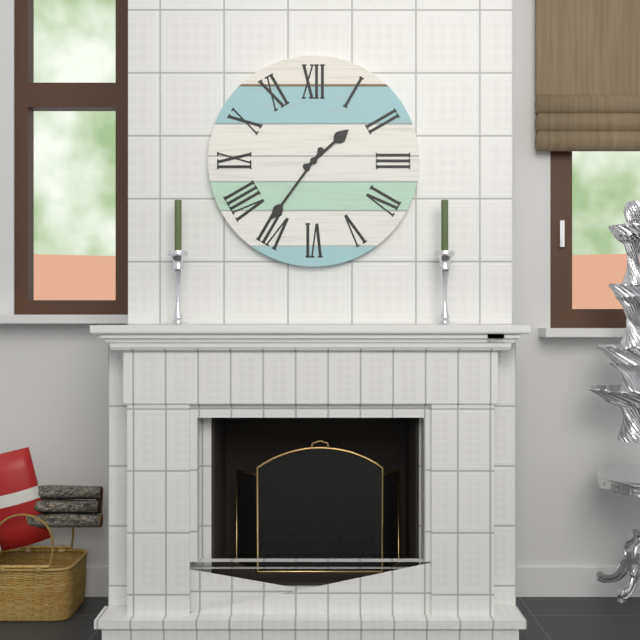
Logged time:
1,36
